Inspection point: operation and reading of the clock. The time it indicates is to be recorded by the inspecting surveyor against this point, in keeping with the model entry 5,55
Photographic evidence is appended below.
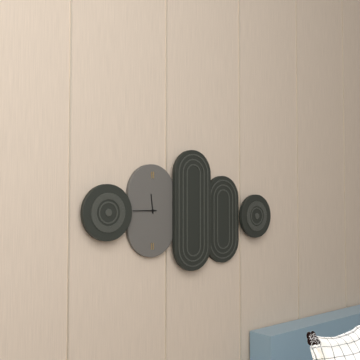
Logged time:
11,45
